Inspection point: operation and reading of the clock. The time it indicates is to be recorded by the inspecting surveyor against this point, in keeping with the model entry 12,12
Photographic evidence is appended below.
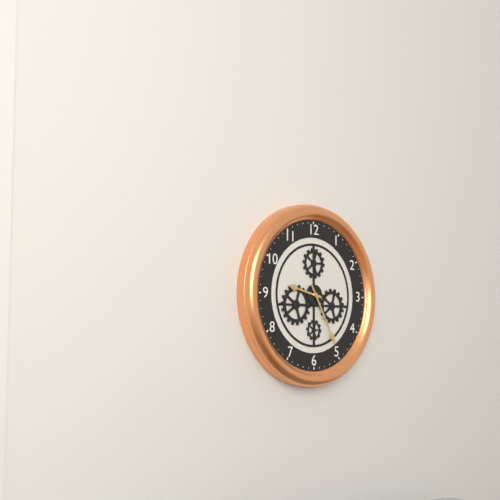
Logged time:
9,25
